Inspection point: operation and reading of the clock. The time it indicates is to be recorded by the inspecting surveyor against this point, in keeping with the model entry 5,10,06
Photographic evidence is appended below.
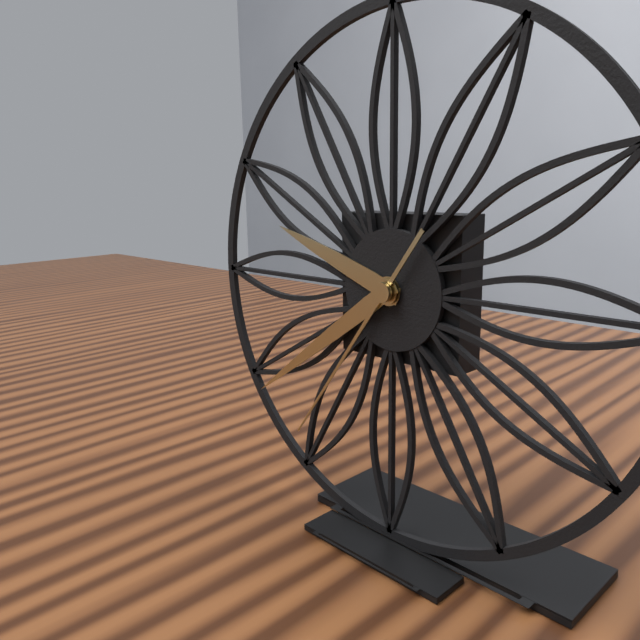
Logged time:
9,39,36
